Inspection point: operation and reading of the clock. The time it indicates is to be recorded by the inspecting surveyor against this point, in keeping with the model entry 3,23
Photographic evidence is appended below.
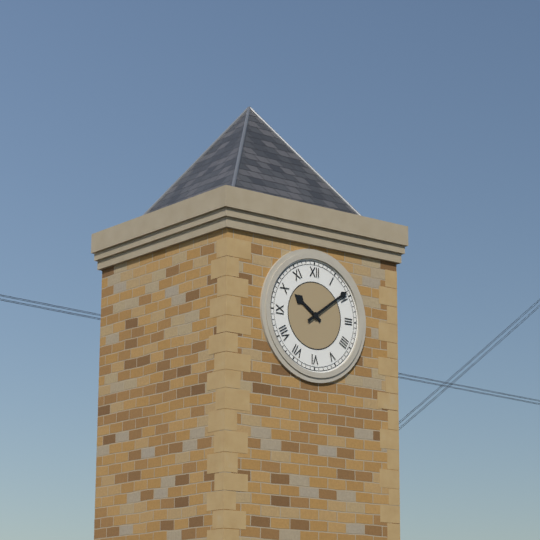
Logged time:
10,09
